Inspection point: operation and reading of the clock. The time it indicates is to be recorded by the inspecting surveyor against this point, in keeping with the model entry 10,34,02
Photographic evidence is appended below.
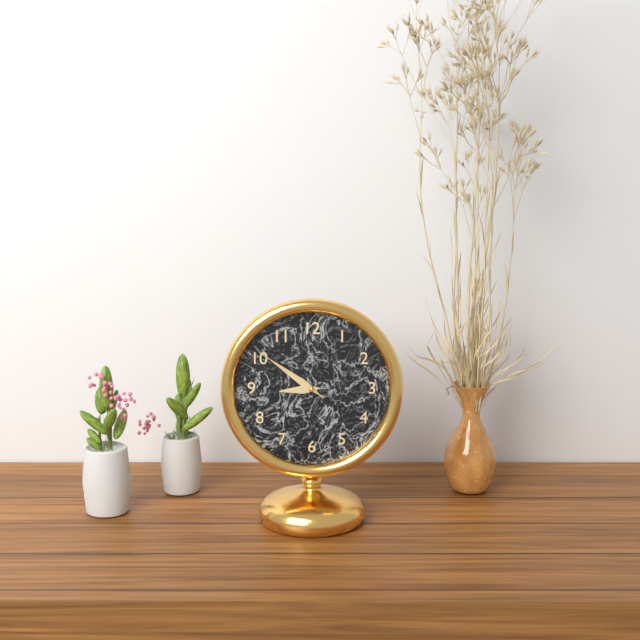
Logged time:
8,51,51
